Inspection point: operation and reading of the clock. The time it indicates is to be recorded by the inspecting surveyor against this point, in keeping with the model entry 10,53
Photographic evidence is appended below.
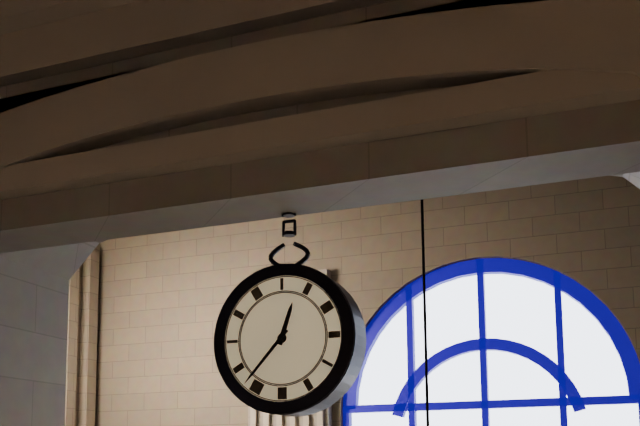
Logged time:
12,37
